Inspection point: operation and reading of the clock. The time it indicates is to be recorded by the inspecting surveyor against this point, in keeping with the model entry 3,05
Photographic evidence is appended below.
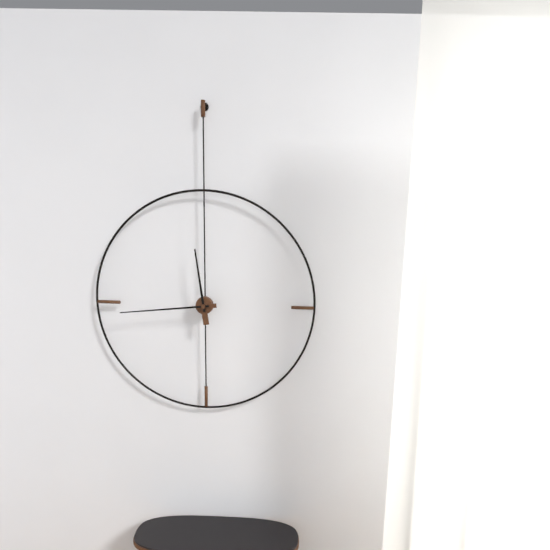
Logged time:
11,44
